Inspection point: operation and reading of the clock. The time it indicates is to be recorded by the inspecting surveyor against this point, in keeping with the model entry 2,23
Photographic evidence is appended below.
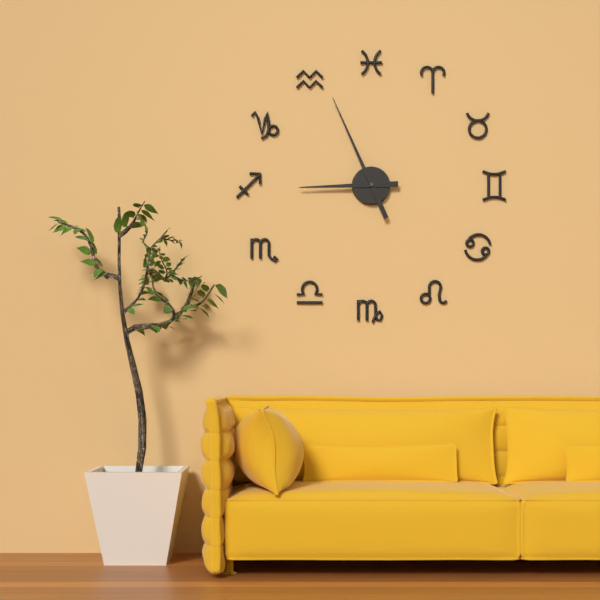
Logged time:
8,56
